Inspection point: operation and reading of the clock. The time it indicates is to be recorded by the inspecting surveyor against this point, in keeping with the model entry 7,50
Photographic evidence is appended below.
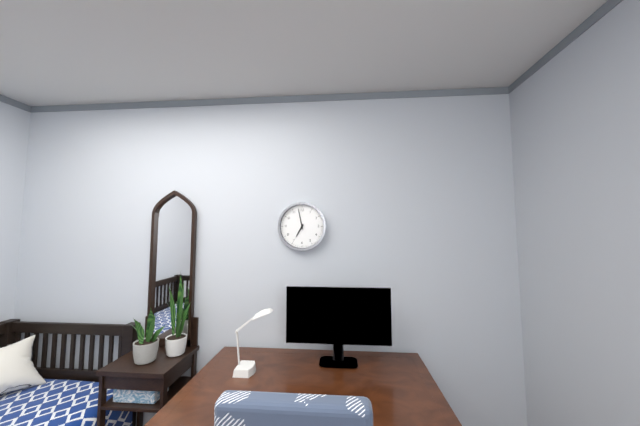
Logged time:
6,58
